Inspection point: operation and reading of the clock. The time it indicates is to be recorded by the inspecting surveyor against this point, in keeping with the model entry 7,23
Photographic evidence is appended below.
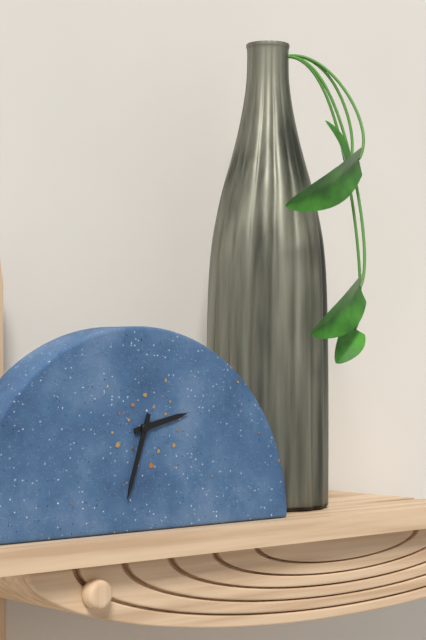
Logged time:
2,33
